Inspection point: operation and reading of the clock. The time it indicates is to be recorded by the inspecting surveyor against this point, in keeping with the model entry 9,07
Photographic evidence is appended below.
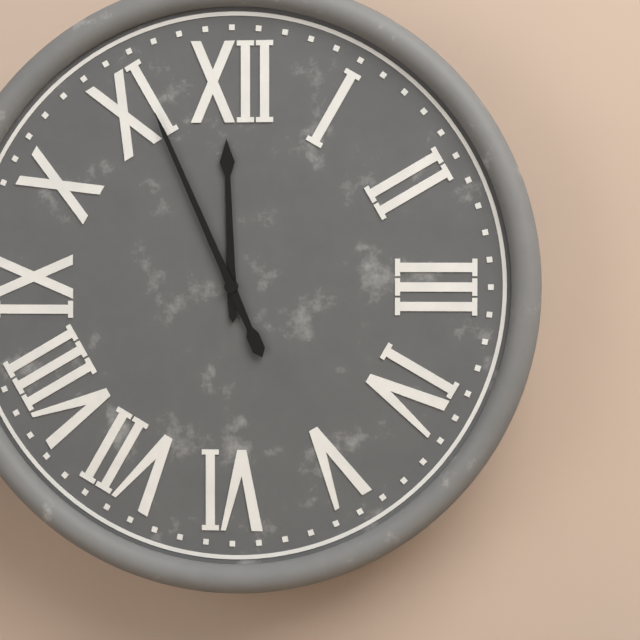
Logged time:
11,56
